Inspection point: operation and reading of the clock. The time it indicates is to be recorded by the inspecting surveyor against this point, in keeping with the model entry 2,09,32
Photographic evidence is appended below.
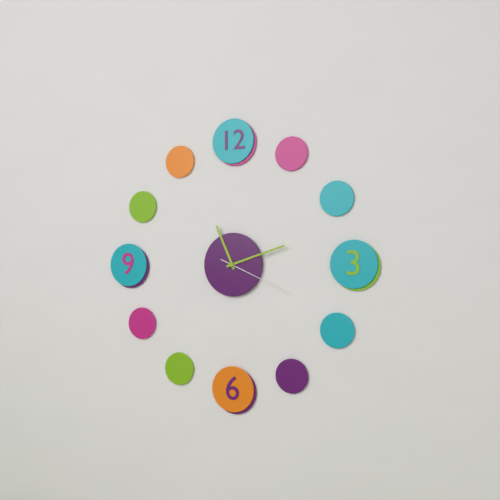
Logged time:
11,12,19
